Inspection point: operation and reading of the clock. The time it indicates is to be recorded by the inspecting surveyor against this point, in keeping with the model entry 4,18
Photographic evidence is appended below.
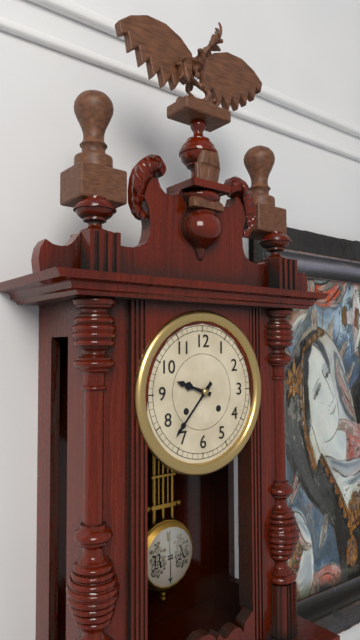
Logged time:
9,37
